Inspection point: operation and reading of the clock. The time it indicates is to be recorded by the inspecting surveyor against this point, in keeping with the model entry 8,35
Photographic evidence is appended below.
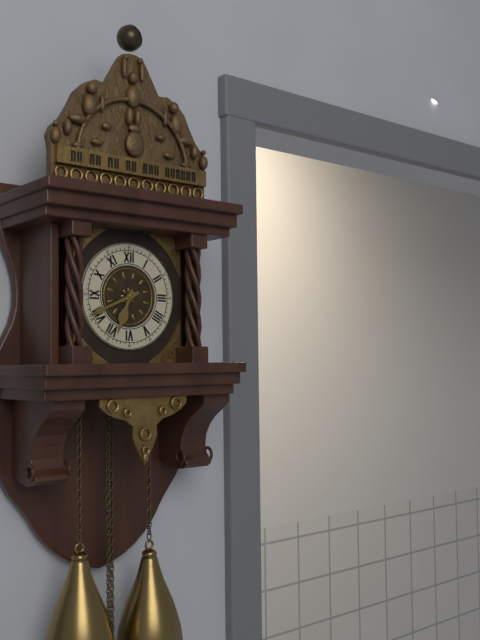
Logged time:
6,41
